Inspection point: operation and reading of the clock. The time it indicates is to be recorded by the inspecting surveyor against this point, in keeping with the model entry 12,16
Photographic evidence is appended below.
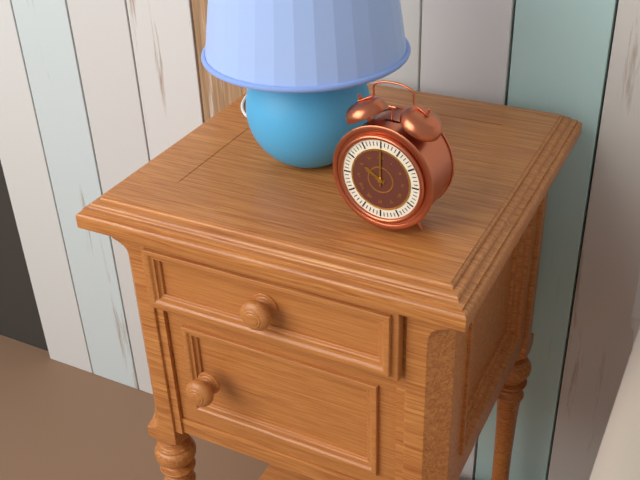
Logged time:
10,00
